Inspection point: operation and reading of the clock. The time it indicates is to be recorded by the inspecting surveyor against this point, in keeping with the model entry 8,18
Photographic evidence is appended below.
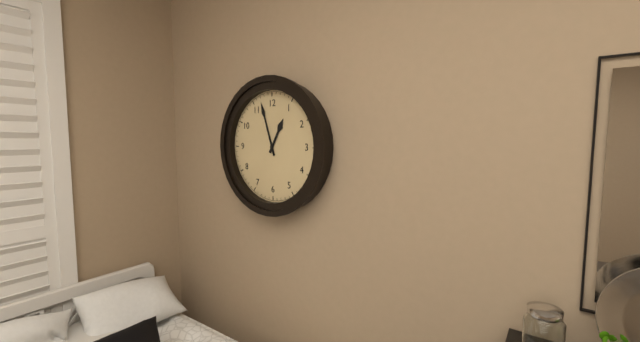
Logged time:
12,57
